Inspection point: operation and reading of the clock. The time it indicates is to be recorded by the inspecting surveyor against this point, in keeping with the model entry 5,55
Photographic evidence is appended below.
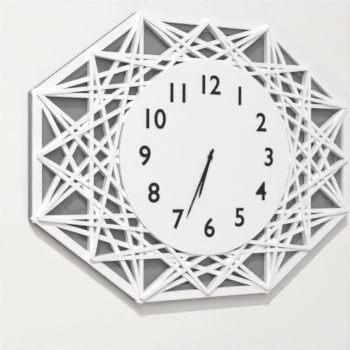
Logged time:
6,34
